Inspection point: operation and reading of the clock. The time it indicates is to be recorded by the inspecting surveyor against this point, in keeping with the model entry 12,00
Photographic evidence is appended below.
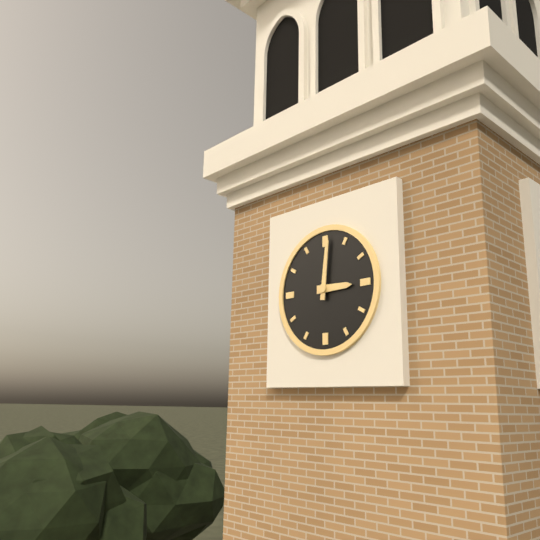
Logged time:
3,01
